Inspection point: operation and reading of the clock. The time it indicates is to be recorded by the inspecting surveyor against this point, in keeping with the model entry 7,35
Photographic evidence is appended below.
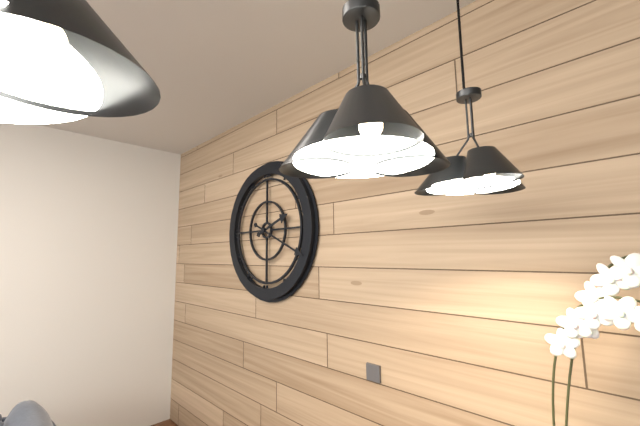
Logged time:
2,19
